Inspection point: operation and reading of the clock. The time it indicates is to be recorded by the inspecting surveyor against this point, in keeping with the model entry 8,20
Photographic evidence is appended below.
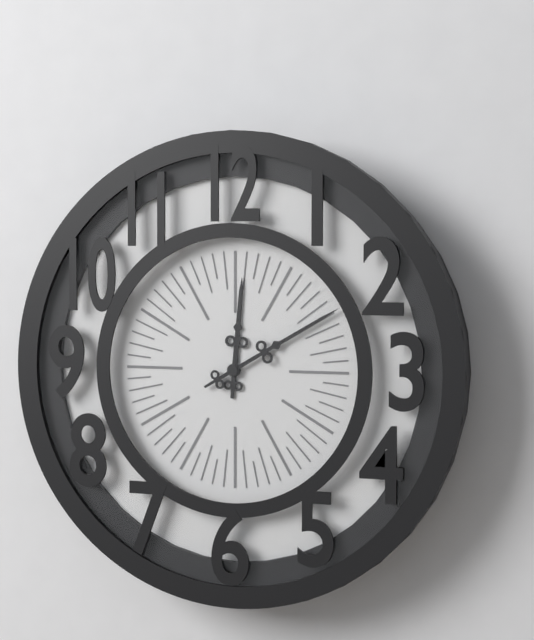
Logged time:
12,10
